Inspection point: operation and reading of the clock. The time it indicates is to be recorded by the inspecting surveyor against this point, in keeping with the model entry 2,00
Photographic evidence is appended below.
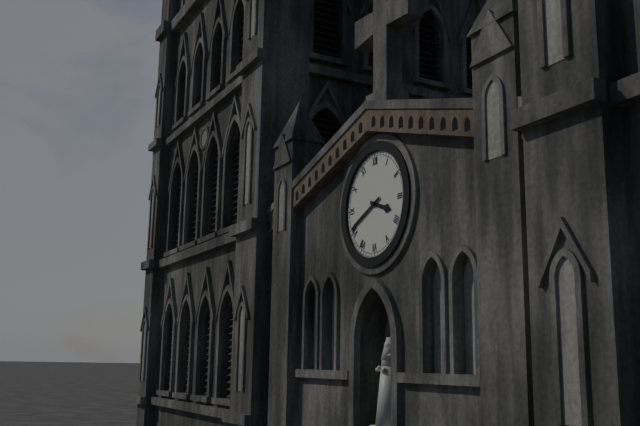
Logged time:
3,41
